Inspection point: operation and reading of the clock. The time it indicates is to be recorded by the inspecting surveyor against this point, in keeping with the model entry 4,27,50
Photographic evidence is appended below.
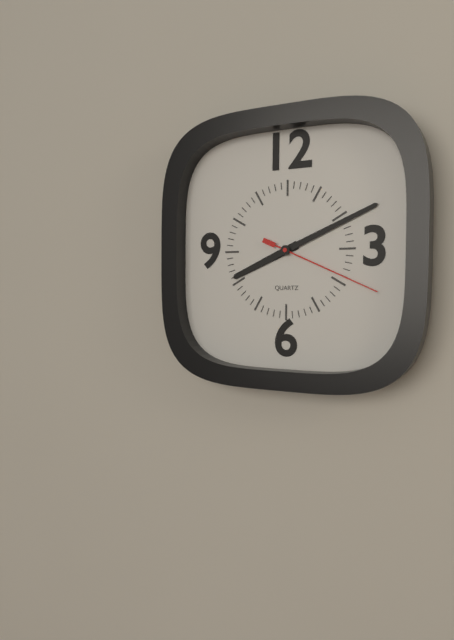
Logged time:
8,11,19
